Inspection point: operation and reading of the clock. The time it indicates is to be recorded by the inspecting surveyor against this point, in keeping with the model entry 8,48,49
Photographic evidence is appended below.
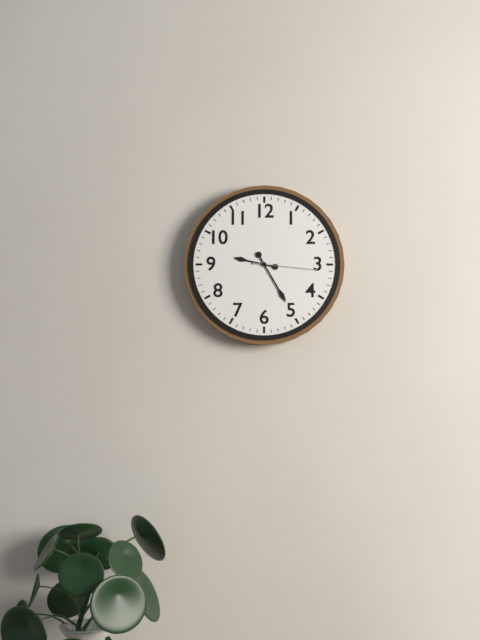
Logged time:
9,25,16
